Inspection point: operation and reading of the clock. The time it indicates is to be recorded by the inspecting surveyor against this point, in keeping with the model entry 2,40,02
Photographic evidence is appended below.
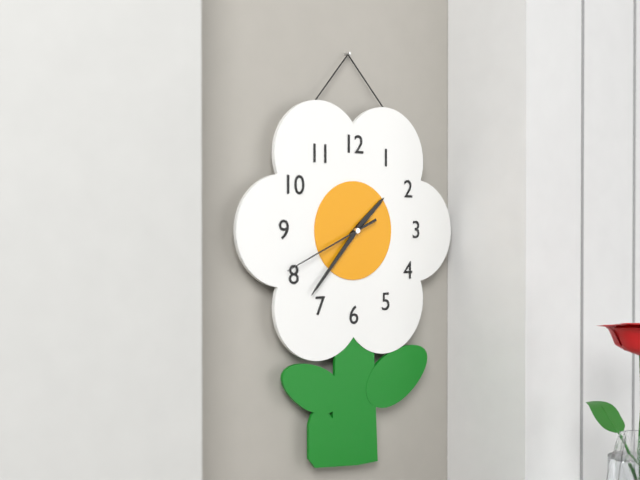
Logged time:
1,37,41
